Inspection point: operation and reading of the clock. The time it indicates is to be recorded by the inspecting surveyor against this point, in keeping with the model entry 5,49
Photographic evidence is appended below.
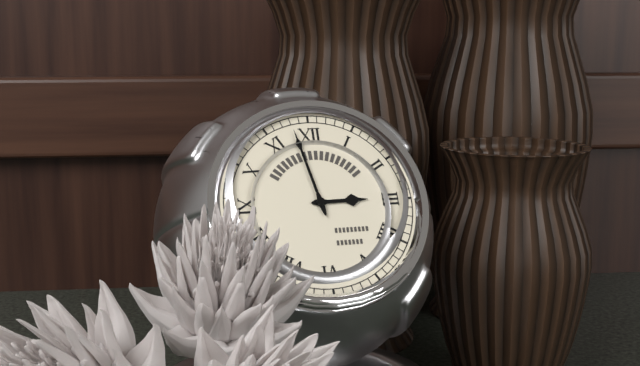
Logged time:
2,58
